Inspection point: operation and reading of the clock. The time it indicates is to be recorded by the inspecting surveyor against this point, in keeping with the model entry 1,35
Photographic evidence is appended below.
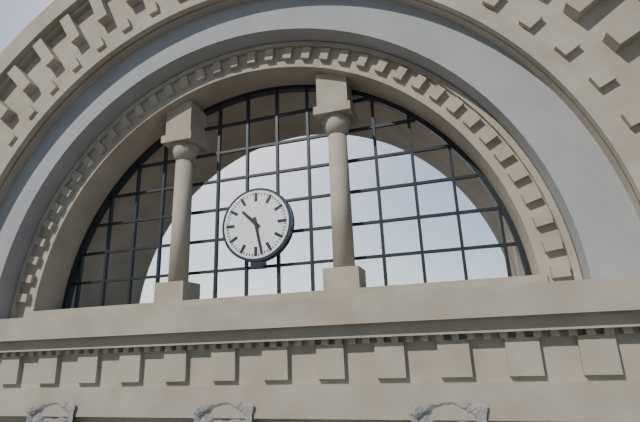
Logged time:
10,28
